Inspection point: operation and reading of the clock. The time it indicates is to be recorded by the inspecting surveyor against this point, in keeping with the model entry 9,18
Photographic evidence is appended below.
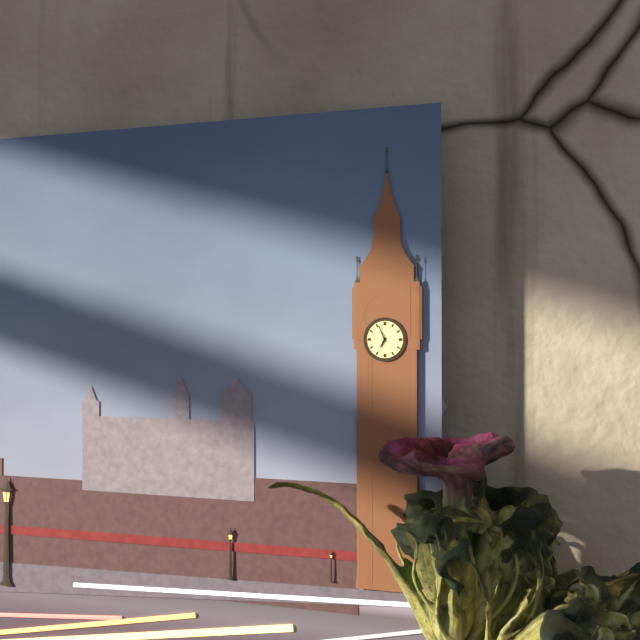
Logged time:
6,56
